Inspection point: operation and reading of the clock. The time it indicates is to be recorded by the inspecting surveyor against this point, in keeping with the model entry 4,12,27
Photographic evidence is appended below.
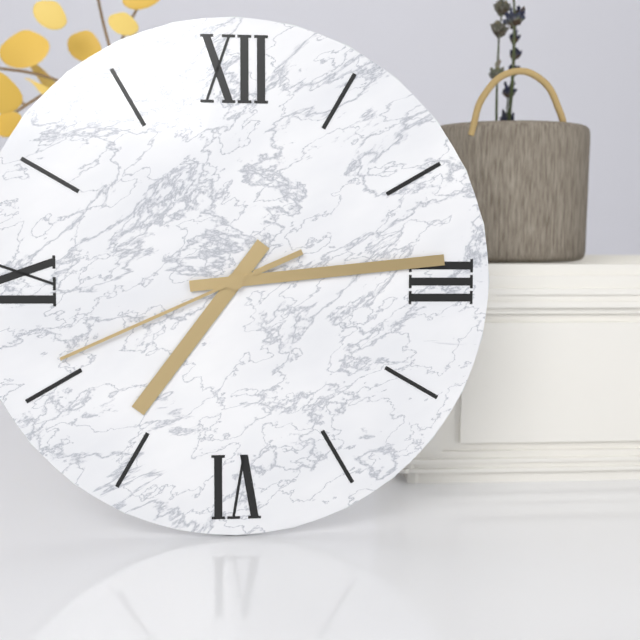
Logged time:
7,14,41
